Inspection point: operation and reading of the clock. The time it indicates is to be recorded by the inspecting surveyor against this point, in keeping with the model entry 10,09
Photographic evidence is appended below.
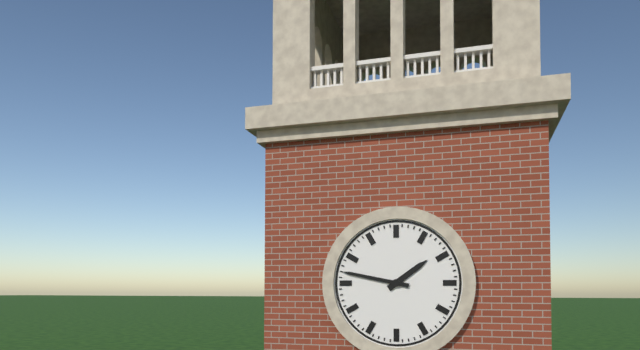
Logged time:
1,47
